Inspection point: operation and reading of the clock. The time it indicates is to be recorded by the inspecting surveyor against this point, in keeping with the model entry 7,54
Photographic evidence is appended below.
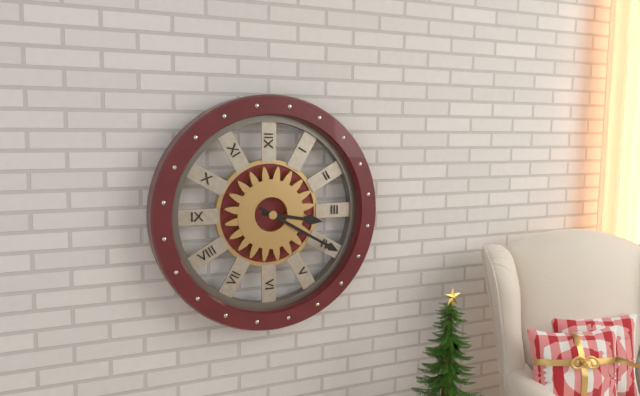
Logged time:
3,20
